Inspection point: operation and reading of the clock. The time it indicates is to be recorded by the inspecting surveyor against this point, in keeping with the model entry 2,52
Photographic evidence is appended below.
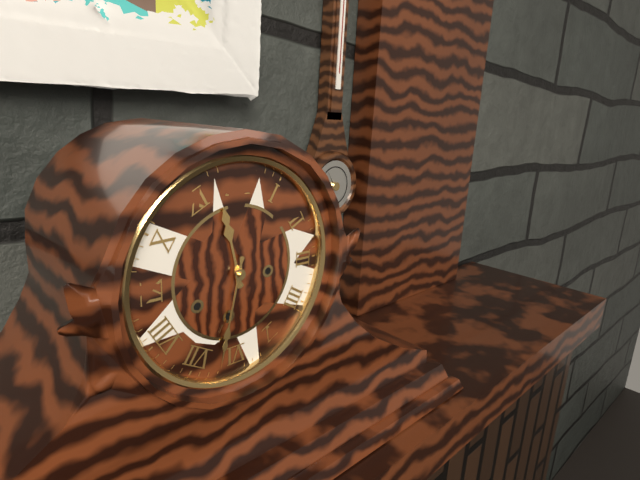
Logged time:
11,32
